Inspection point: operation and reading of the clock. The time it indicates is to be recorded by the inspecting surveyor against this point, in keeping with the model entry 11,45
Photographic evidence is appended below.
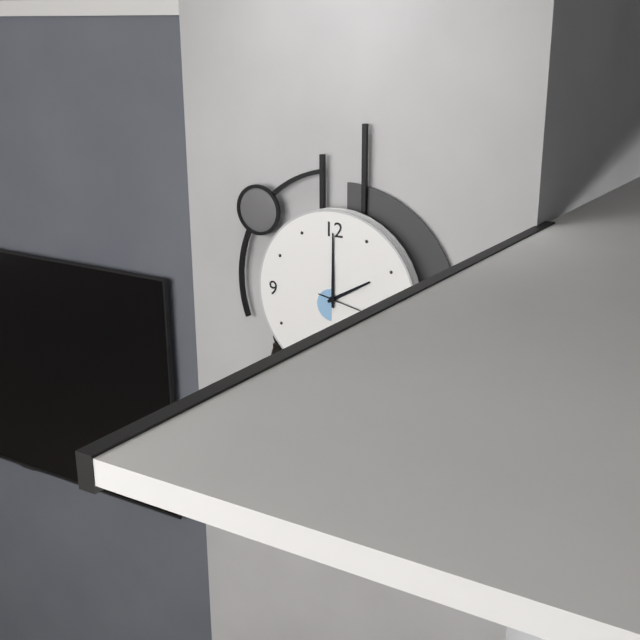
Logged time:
2,00
